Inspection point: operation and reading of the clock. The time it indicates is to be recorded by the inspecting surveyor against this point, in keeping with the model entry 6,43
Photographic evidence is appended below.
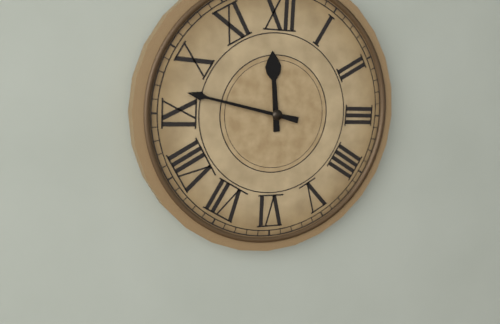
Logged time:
11,47
